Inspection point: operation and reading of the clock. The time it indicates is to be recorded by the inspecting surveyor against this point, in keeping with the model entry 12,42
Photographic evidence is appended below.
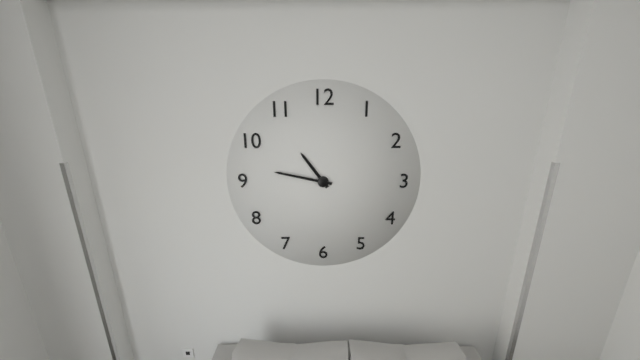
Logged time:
10,47
